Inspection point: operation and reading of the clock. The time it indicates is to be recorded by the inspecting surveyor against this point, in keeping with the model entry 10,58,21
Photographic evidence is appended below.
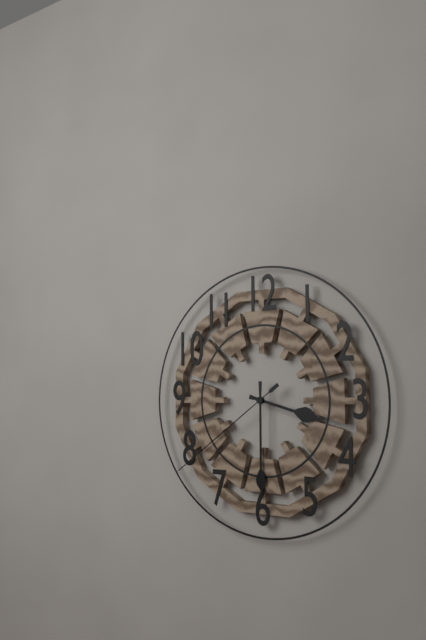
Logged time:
3,30,39
